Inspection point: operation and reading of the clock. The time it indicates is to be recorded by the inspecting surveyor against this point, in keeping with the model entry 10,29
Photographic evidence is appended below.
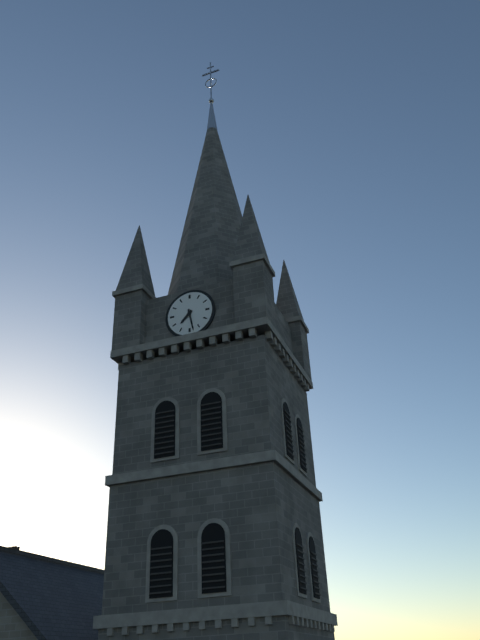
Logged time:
7,28
